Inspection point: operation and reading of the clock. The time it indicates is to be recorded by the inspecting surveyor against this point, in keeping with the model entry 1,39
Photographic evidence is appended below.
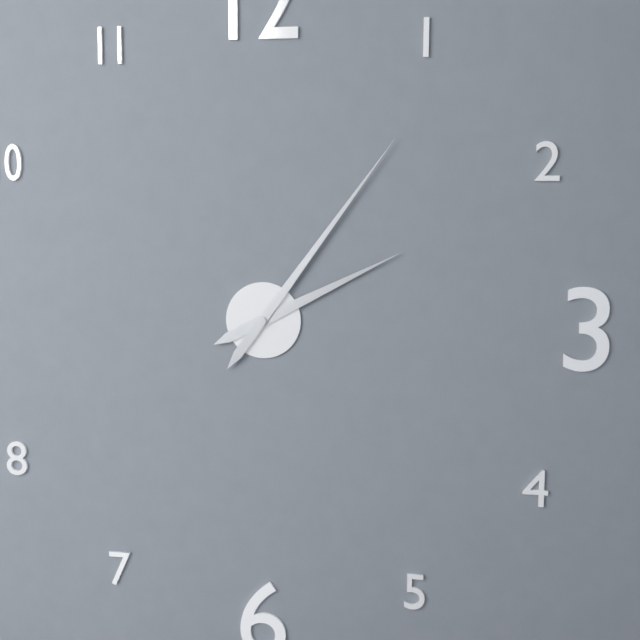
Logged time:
2,06
